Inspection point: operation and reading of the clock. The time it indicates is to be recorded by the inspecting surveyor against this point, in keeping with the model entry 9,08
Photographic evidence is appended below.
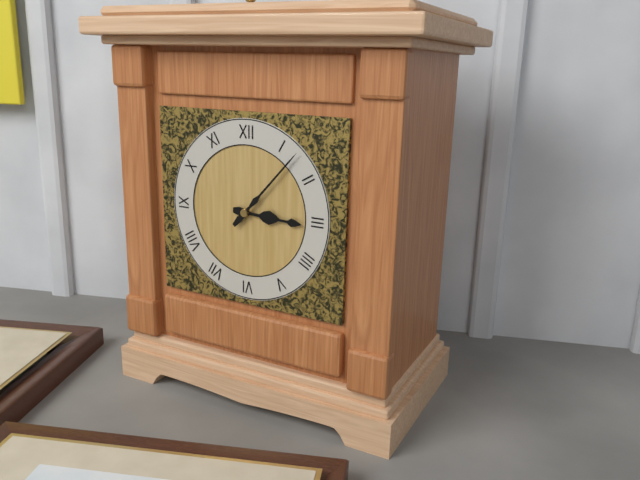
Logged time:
3,07
